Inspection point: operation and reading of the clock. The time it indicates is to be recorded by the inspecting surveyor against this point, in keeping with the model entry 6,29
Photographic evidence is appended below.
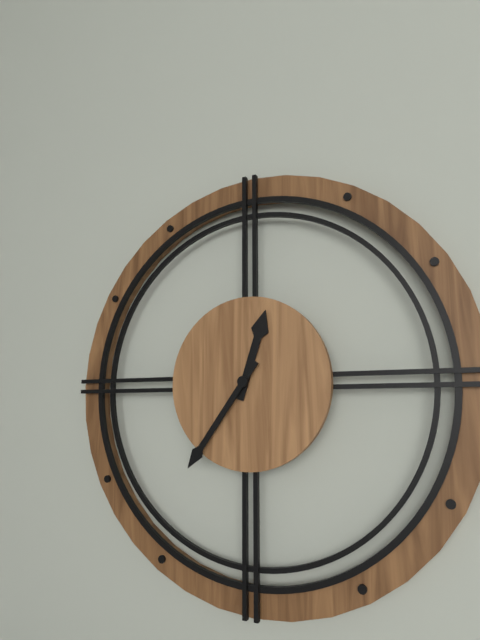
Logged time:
12,36
